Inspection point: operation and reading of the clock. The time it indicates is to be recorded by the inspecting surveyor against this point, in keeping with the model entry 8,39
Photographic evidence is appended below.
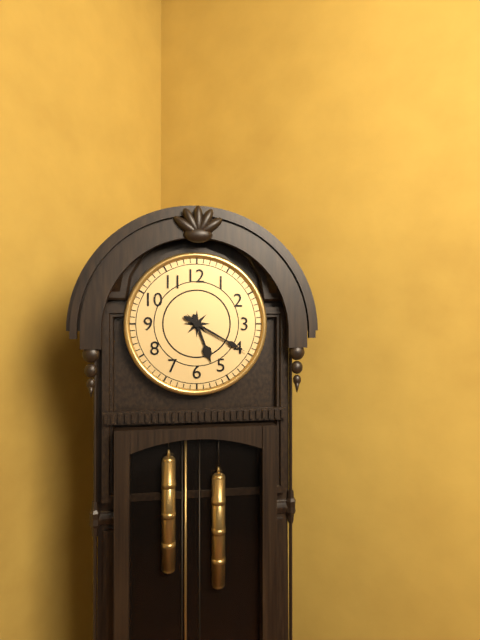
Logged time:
5,20
